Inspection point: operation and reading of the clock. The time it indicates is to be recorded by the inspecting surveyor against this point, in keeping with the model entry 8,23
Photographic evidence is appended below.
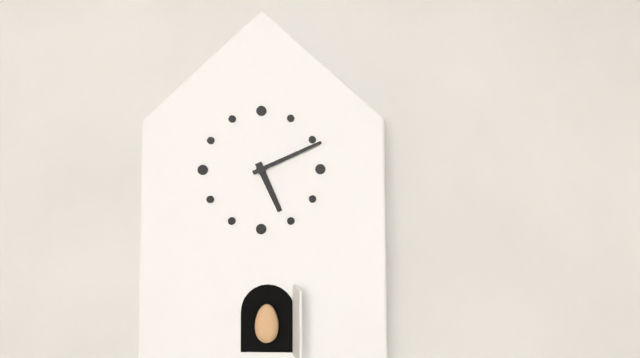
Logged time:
5,11
